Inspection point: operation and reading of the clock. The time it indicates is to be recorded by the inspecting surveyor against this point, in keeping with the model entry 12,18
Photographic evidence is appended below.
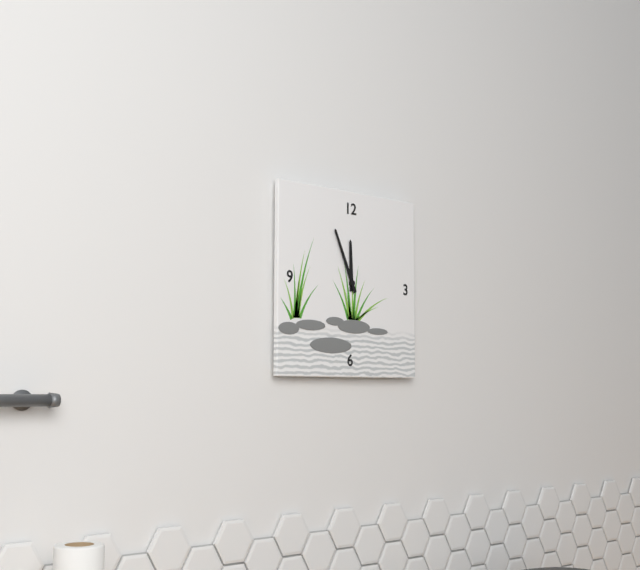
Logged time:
11,56
